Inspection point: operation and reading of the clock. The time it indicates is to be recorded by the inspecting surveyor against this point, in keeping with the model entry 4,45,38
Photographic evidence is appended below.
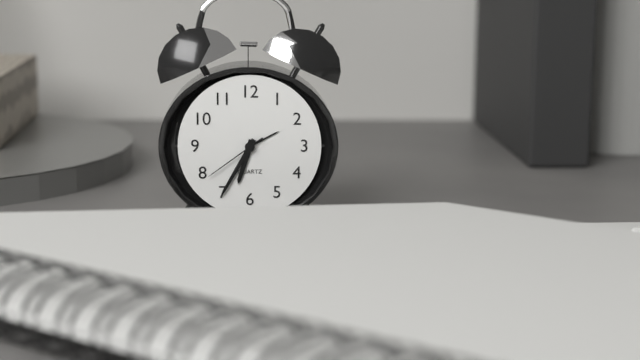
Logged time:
6,35,39
